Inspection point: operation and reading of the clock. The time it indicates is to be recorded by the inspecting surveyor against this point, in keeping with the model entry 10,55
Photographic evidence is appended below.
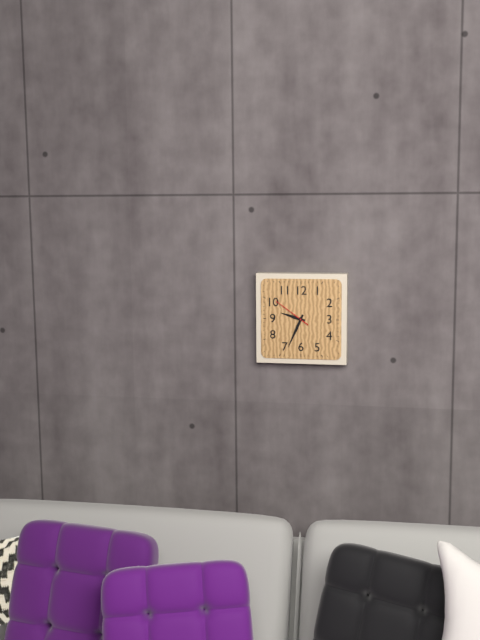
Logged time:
9,34
